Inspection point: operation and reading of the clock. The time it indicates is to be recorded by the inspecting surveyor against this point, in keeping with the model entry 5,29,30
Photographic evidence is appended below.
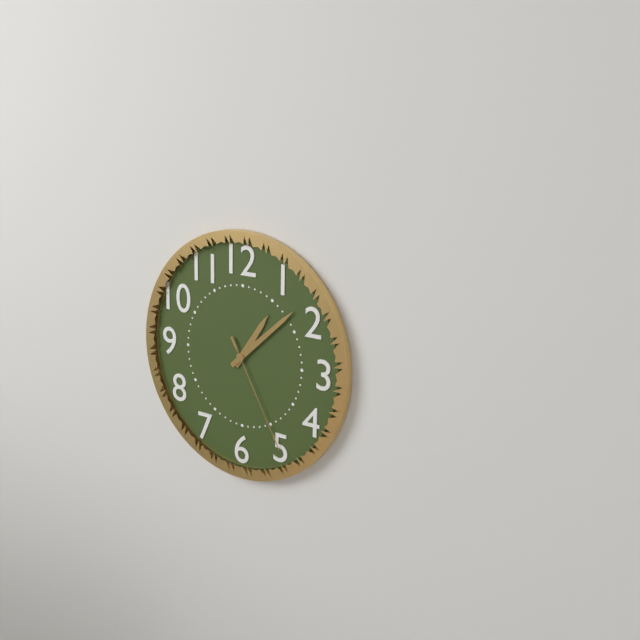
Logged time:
1,08,25
